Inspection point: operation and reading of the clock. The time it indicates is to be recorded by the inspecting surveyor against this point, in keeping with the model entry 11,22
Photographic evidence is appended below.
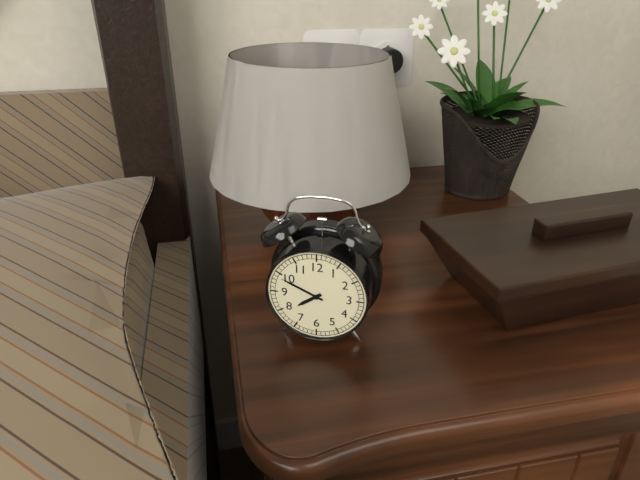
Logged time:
7,49
